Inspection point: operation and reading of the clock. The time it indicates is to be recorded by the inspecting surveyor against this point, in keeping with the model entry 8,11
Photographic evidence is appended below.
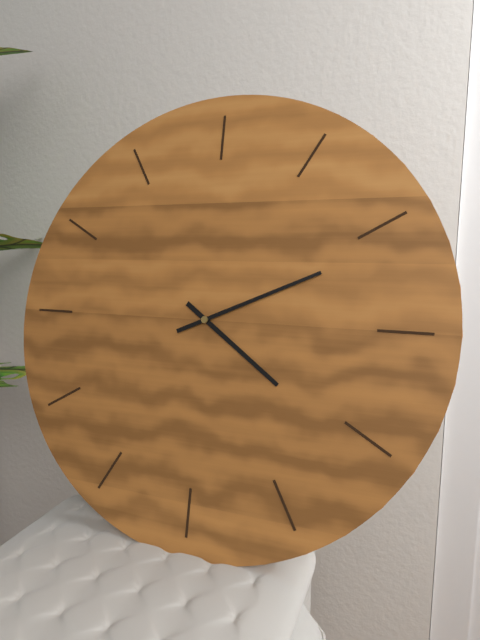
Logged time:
4,11
